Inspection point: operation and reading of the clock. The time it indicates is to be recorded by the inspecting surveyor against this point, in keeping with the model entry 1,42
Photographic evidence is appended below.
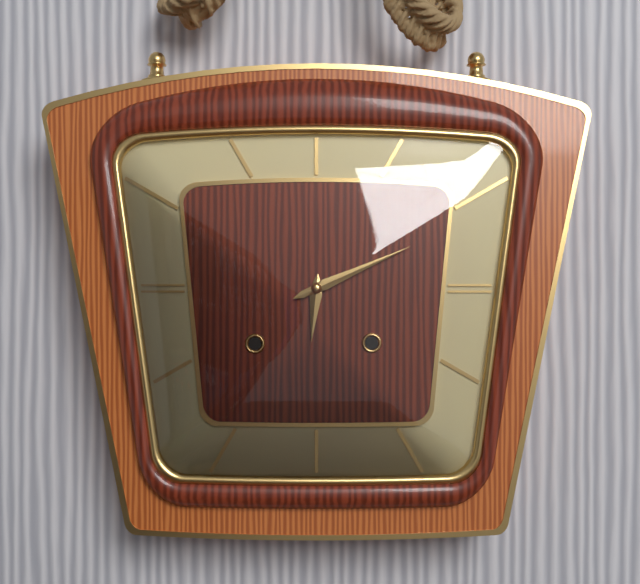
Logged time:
6,11
